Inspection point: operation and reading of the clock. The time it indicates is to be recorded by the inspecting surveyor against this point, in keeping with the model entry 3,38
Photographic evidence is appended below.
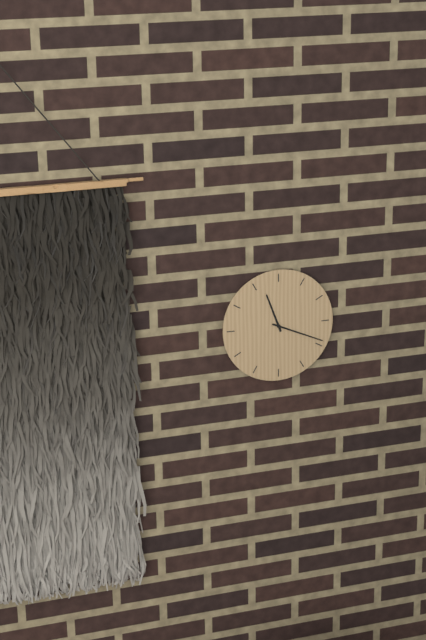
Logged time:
11,19
